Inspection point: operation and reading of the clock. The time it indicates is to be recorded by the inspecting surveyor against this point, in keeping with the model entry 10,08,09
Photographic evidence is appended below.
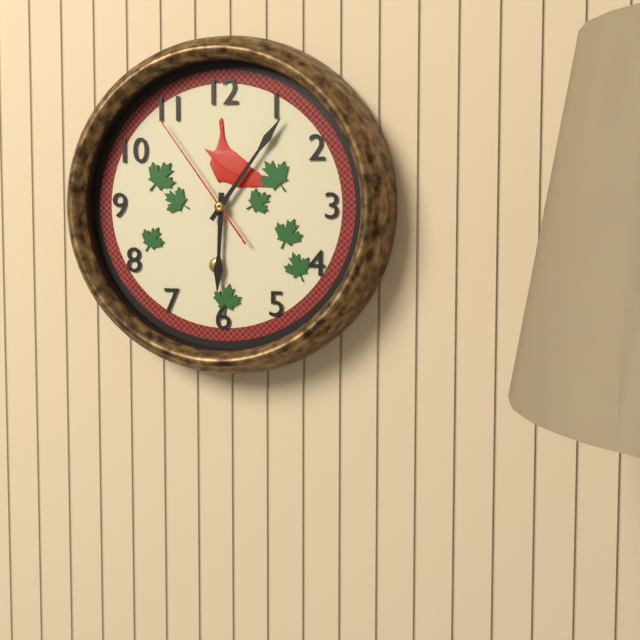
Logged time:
6,06,54
